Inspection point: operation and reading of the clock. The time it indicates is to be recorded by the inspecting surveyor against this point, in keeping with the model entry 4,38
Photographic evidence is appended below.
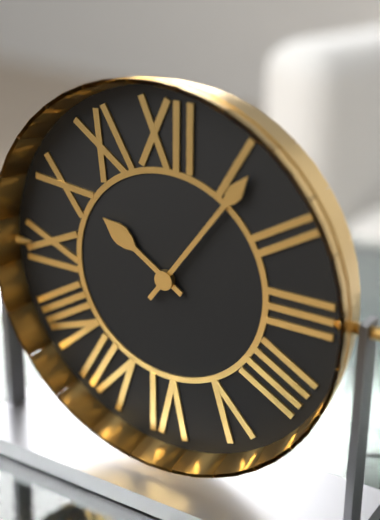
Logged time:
10,06
